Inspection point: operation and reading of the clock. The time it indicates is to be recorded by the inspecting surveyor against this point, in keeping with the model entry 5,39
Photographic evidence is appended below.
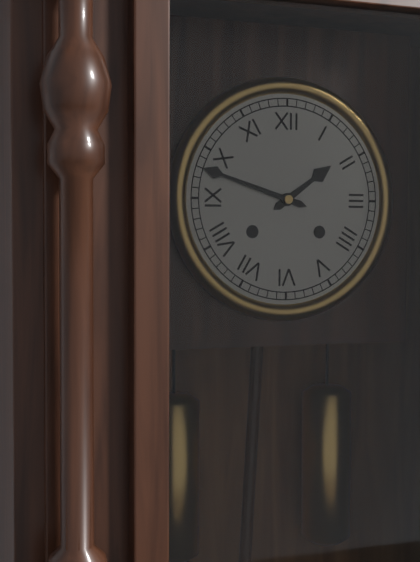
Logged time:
1,48
